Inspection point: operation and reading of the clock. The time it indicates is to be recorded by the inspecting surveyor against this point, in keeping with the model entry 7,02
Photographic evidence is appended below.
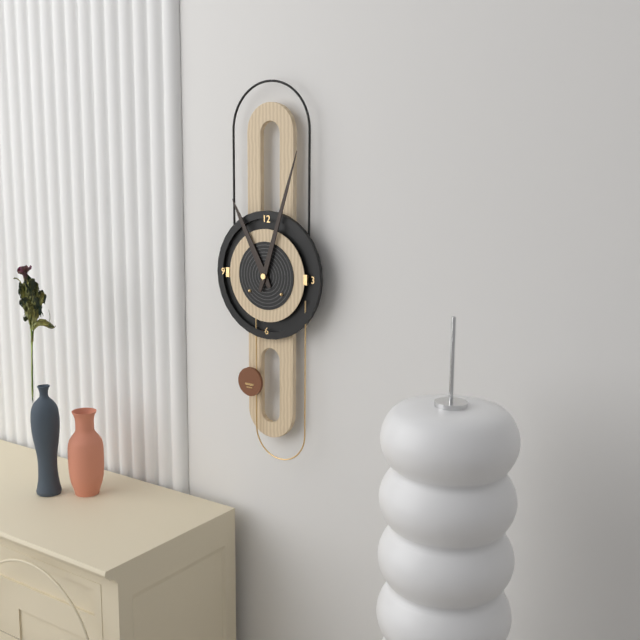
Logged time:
11,03
